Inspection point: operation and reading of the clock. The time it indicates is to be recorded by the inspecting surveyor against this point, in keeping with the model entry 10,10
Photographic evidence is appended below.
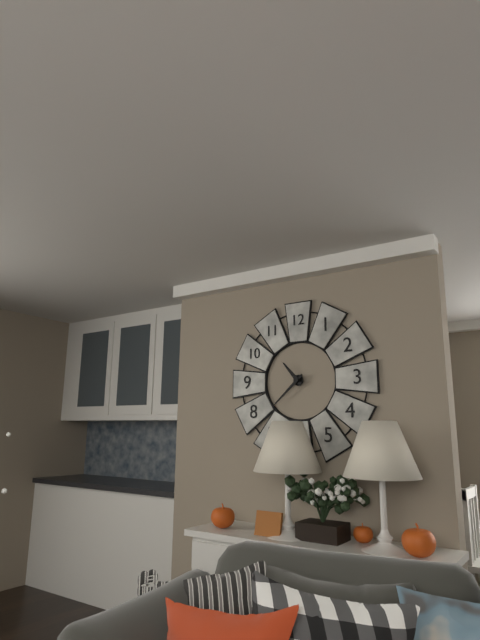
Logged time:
10,38
